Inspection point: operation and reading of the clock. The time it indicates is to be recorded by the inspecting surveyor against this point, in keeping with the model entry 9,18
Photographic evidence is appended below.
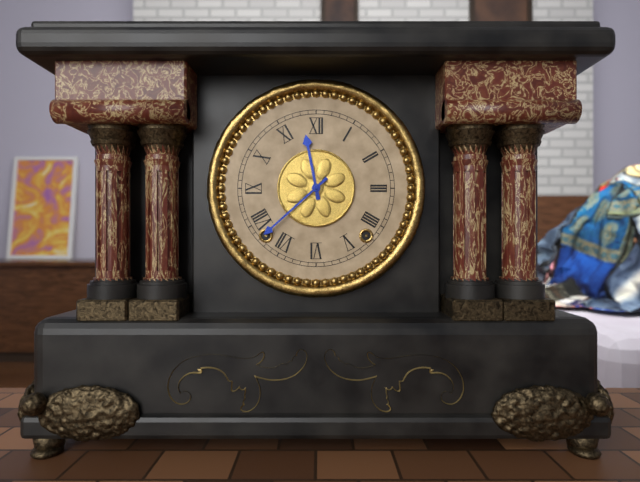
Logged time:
11,38
